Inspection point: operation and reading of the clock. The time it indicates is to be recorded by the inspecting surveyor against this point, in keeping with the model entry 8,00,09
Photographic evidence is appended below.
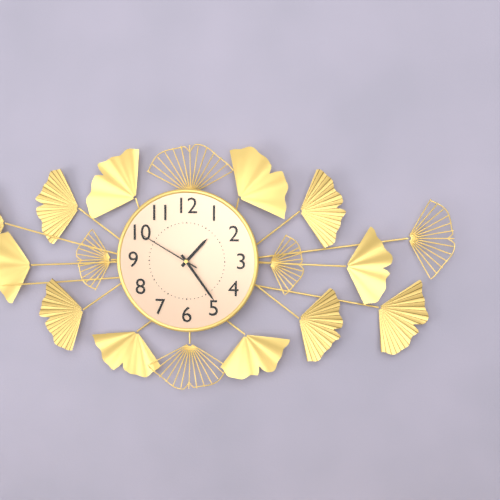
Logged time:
1,24,50
